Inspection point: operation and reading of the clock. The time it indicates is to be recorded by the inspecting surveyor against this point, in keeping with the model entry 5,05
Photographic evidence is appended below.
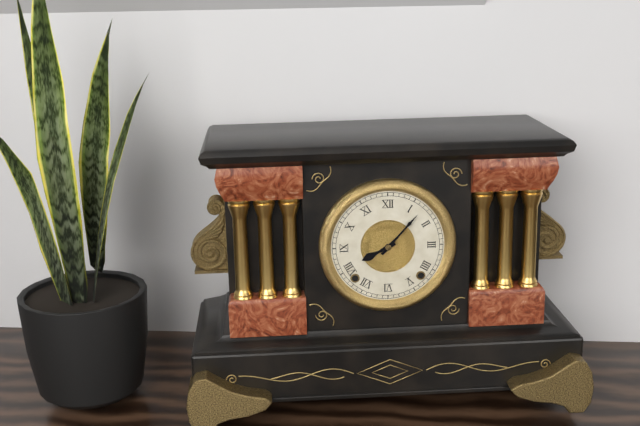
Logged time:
8,07
